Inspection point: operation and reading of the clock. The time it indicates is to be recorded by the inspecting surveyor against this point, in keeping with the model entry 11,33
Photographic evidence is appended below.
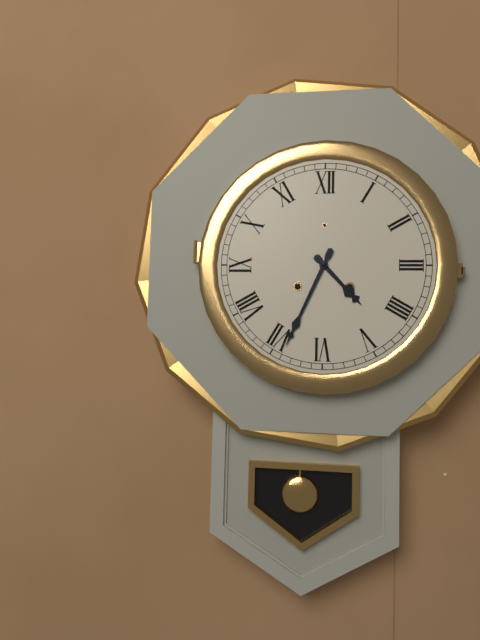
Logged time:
4,34
